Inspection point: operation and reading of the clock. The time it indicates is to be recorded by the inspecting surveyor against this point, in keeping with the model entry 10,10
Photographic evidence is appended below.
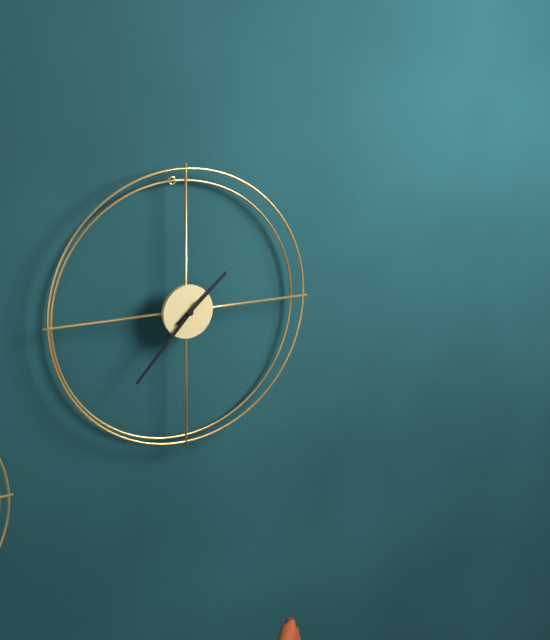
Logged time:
1,37
